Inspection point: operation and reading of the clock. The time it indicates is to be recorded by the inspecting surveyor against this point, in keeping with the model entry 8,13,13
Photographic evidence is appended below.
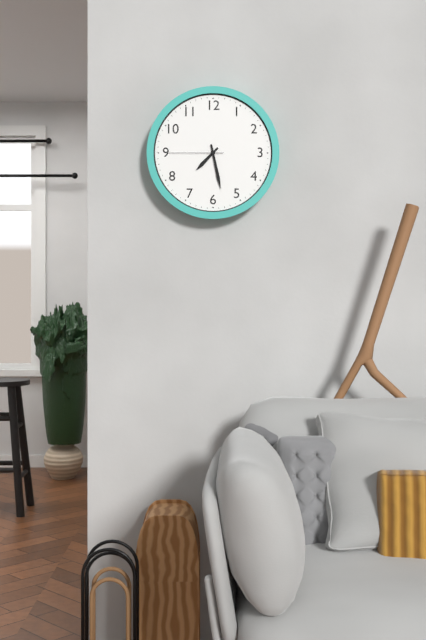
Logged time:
7,28,45
